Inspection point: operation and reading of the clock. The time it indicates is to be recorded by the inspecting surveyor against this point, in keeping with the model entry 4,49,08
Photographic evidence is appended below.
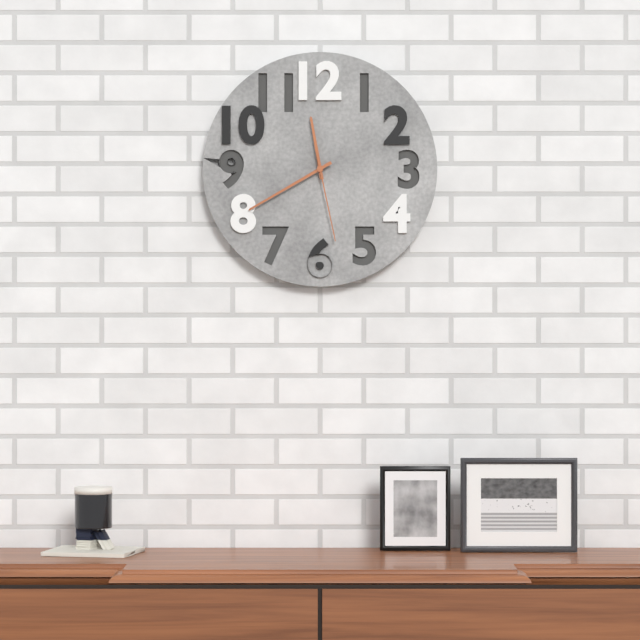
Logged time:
11,40,28
